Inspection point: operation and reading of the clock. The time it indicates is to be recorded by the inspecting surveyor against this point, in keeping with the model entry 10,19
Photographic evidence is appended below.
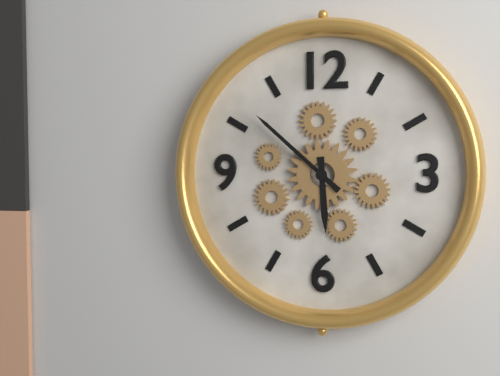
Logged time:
5,52
